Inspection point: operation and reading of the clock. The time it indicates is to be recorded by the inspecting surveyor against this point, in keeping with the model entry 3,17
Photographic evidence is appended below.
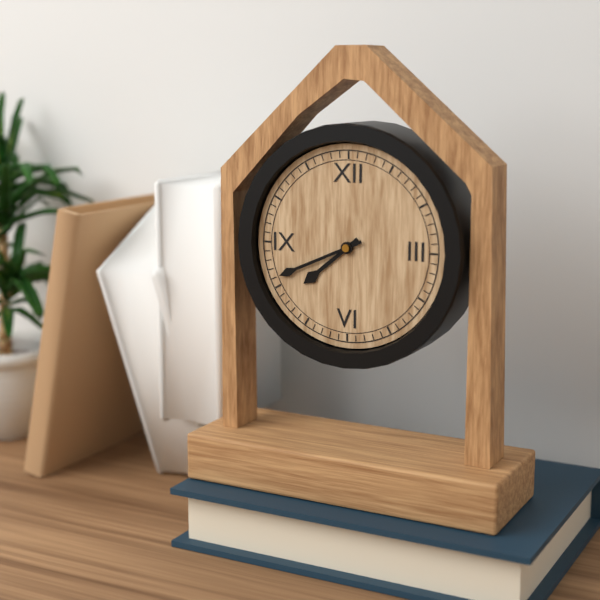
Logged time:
7,41
